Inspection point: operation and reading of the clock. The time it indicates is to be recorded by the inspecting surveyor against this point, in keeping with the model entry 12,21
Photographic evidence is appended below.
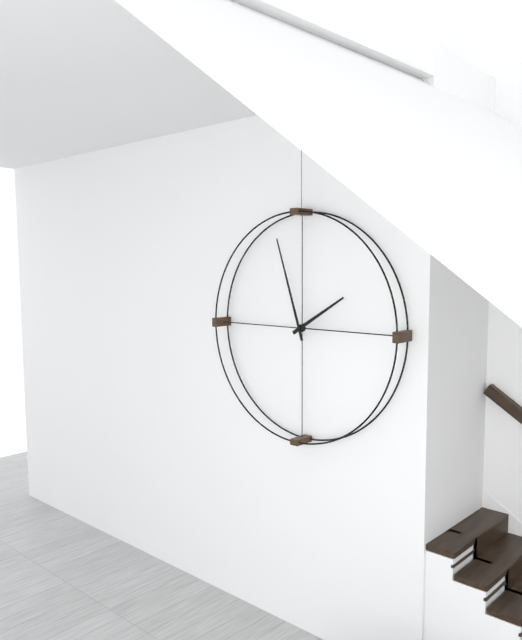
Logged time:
1,57
